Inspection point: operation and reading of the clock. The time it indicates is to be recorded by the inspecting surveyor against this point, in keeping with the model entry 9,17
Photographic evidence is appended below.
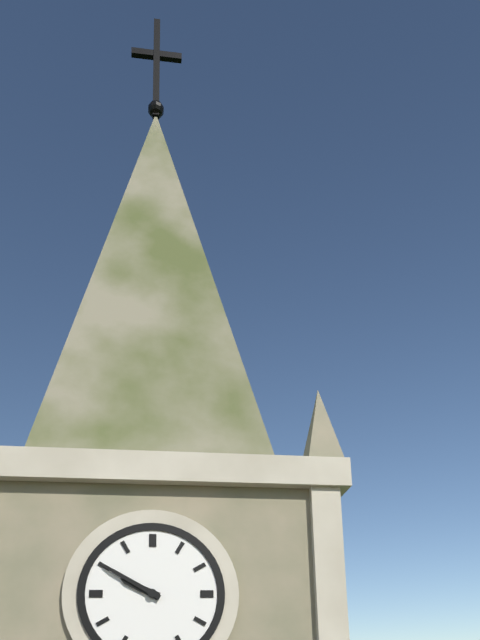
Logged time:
9,50
